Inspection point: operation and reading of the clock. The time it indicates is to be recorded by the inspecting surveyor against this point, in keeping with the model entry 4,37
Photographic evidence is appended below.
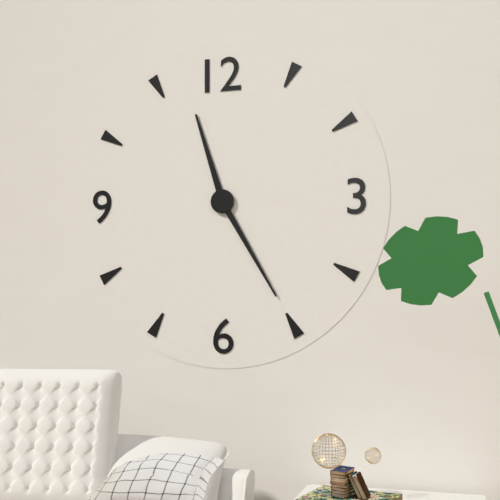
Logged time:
11,25
